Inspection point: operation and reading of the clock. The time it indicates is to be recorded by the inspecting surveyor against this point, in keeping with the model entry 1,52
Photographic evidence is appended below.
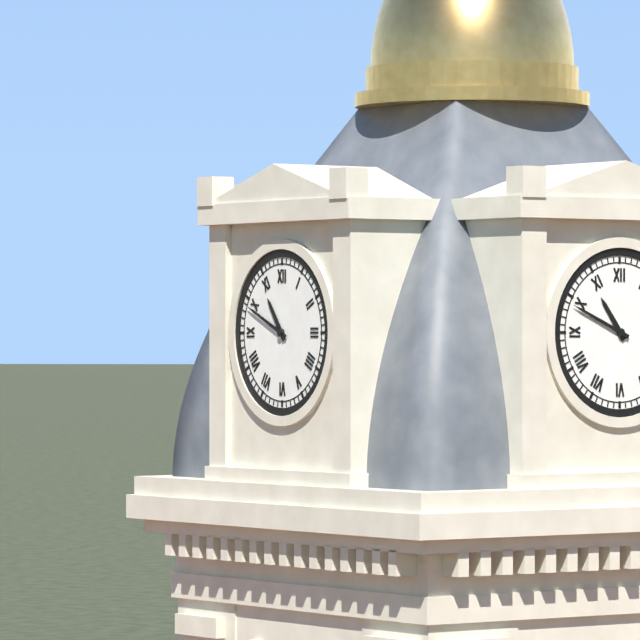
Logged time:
10,49
